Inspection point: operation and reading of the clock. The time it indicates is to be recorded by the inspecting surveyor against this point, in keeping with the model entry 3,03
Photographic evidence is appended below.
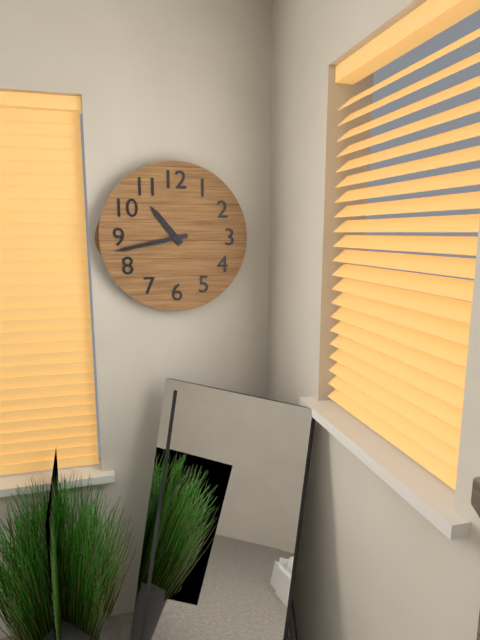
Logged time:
10,43
